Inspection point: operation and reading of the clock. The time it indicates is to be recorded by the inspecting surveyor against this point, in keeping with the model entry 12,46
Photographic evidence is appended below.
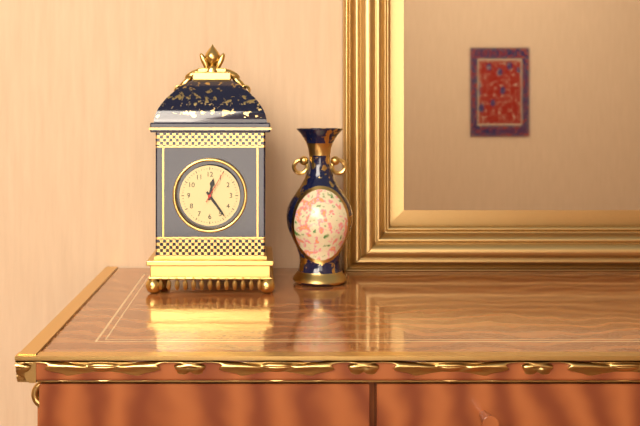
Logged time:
12,24
